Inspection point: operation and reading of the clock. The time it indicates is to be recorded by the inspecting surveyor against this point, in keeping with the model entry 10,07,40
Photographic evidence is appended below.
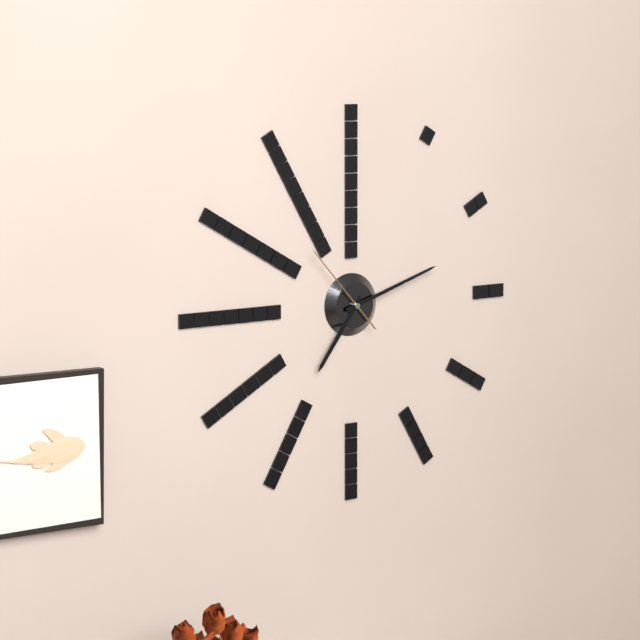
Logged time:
7,12,53
